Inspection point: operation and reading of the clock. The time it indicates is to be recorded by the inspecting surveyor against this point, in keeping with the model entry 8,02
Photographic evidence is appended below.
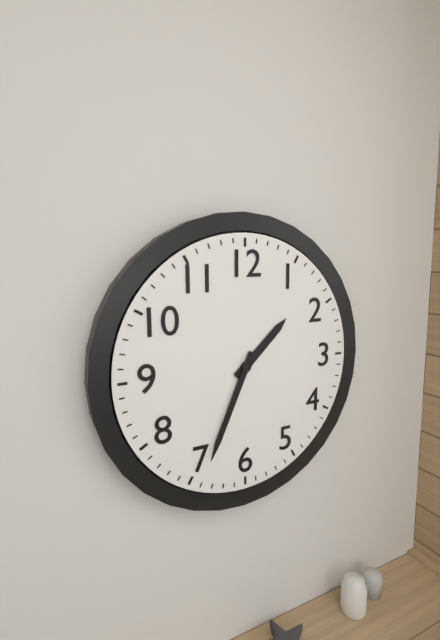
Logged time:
1,34
